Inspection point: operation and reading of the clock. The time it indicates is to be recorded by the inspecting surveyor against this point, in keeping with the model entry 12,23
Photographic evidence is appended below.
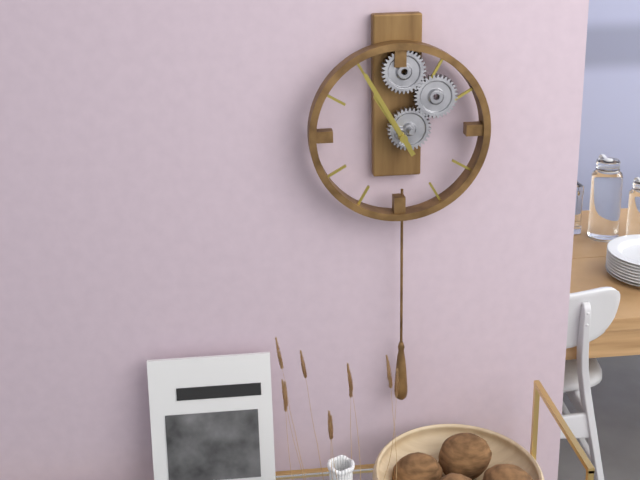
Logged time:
10,55
